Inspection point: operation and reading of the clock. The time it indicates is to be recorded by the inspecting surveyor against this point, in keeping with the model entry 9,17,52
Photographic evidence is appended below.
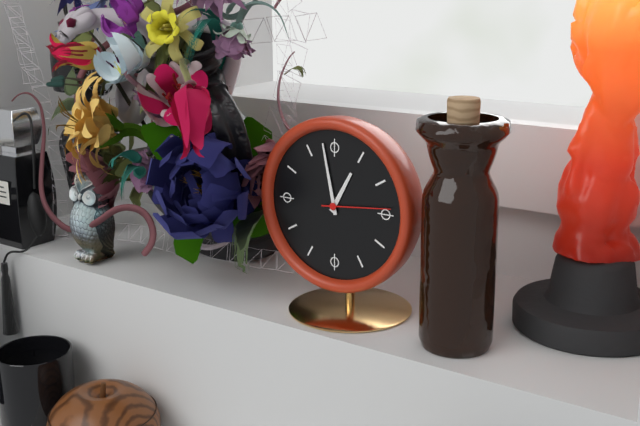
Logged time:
12,58,14
